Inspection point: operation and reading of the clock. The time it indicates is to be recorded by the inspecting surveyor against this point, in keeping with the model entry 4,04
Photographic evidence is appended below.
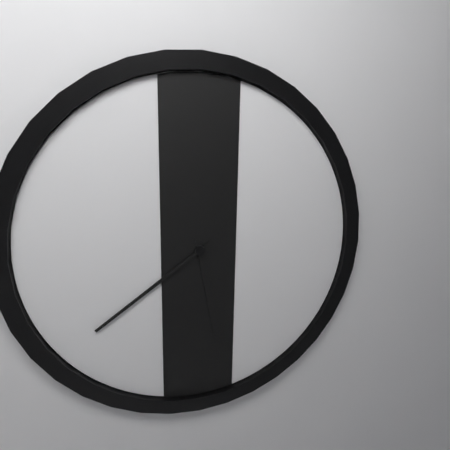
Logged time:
5,39
